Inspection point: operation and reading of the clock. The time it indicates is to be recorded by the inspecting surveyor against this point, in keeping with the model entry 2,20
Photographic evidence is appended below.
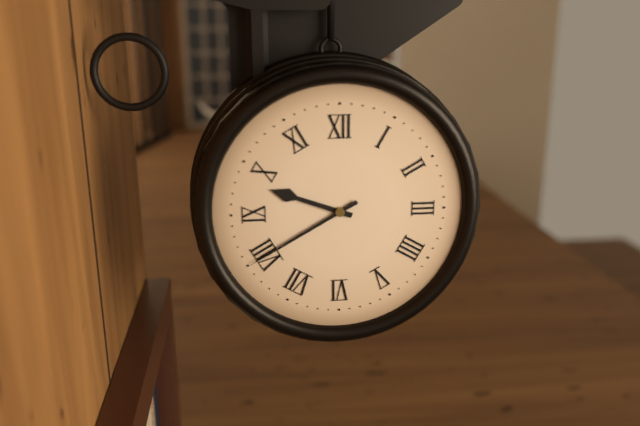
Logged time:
9,40
